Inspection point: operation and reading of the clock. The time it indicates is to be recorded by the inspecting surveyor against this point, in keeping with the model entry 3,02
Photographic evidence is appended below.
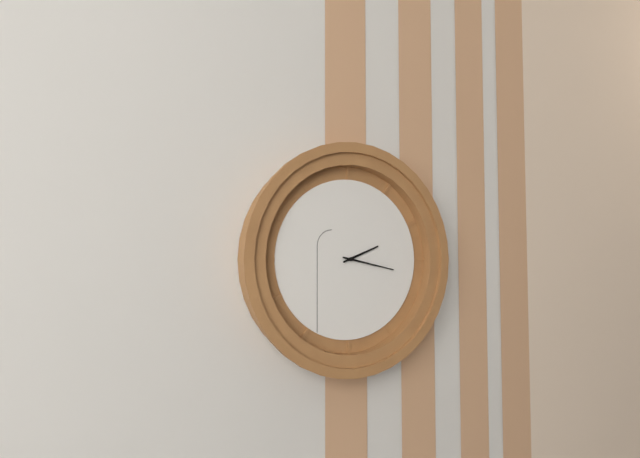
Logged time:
2,17
